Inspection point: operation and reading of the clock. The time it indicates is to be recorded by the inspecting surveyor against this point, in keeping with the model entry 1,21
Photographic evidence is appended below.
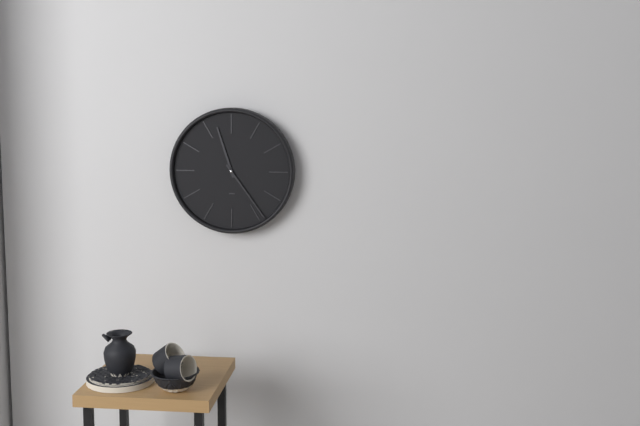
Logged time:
11,24
